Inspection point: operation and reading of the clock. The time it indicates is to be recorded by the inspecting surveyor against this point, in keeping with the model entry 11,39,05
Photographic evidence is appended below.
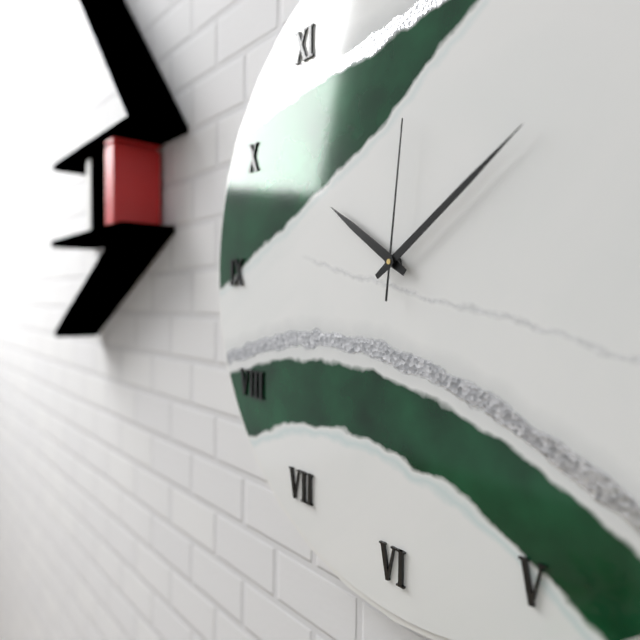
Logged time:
10,09,01
